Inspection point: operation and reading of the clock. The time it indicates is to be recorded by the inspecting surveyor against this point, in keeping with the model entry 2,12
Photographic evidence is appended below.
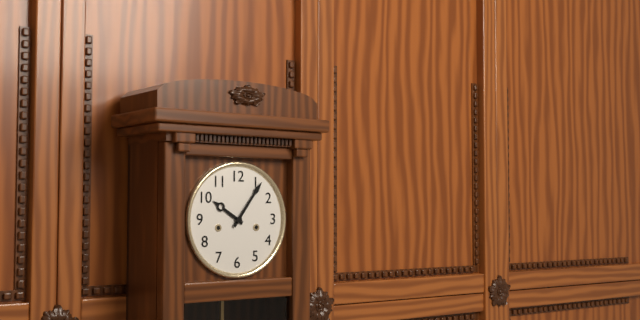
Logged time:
10,06
